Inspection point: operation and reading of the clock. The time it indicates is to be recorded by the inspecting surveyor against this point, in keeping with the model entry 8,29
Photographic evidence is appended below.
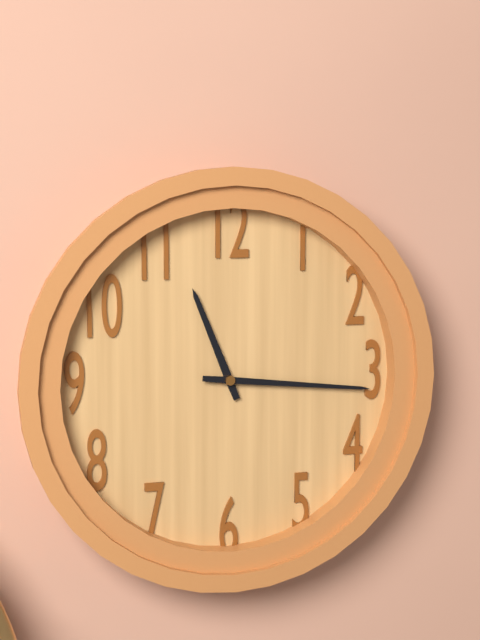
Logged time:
11,16
